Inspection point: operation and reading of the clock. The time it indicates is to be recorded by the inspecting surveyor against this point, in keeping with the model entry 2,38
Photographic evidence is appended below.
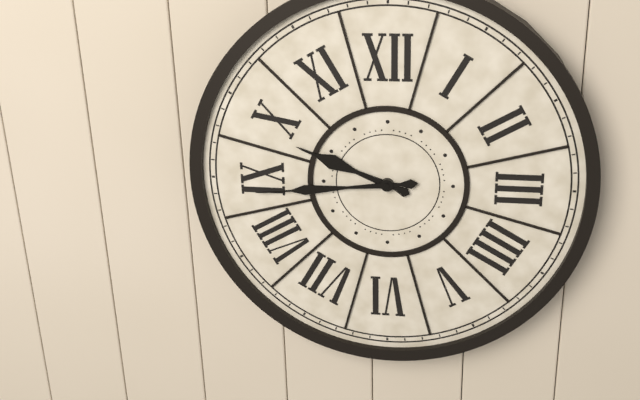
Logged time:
9,44
